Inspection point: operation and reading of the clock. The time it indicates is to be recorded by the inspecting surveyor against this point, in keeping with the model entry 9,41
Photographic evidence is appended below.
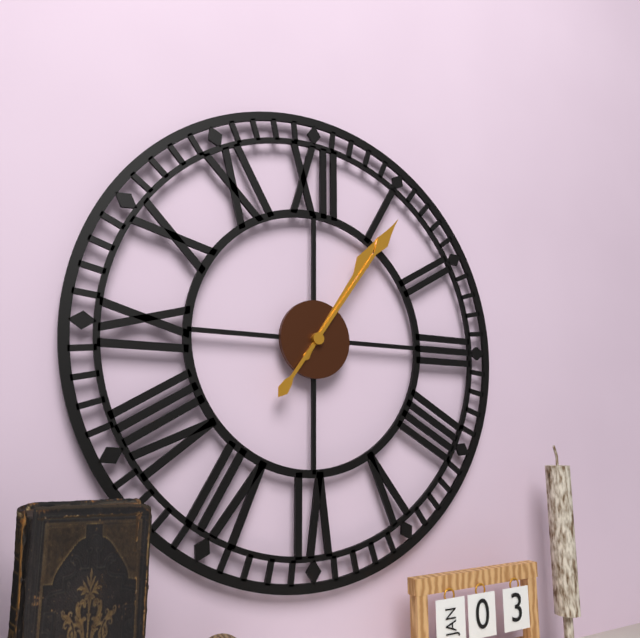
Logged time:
1,06
